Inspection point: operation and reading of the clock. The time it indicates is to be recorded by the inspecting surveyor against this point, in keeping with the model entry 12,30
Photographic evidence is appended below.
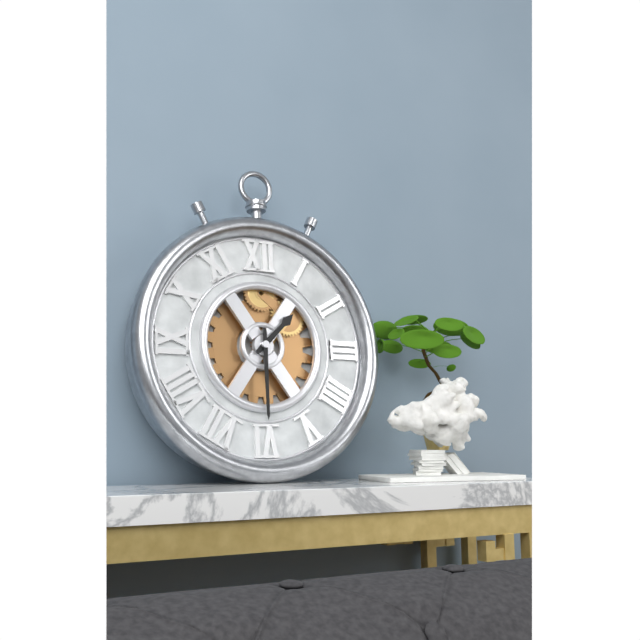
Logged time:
1,30
